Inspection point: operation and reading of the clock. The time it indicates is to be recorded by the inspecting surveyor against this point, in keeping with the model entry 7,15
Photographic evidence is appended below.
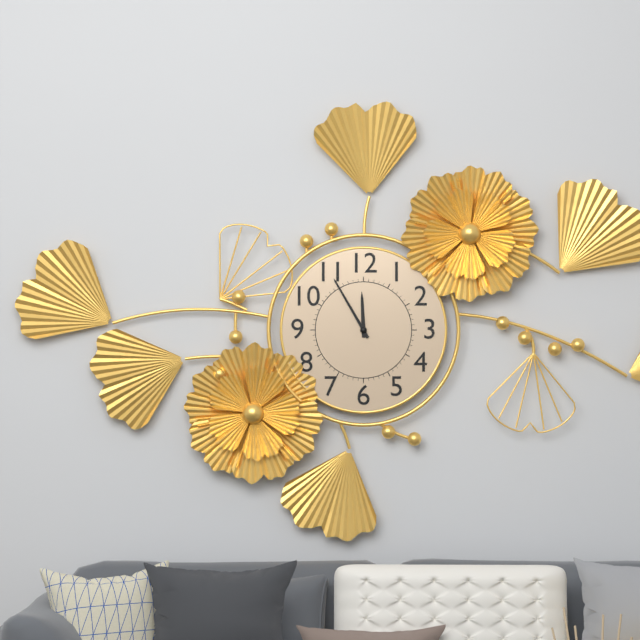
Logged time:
11,55
